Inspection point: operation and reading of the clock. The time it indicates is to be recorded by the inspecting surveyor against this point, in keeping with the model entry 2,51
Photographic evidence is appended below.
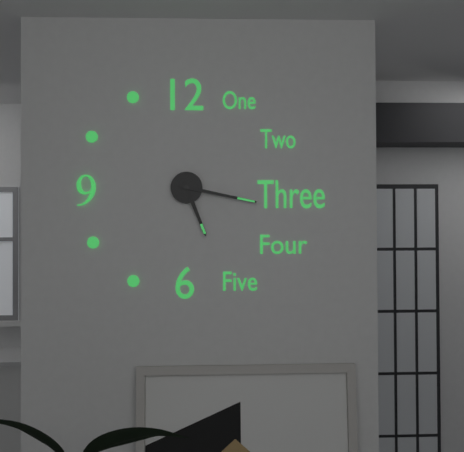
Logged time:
5,17
